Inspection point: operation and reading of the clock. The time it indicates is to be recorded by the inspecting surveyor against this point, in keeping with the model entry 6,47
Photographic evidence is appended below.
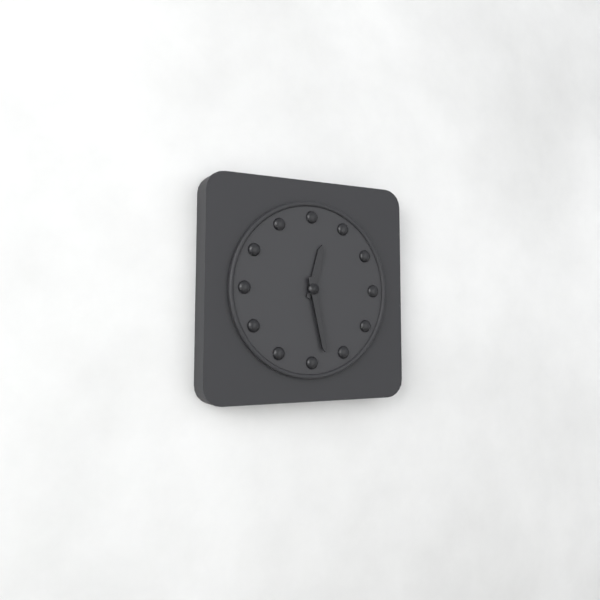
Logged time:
12,28
